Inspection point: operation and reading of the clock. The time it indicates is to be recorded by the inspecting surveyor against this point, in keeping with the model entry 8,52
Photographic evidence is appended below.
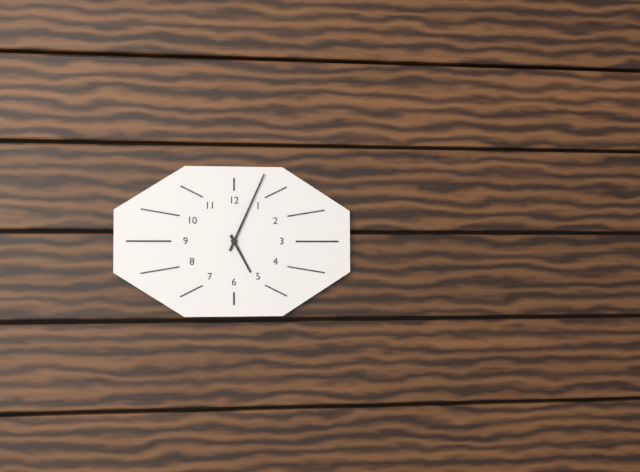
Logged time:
5,04
